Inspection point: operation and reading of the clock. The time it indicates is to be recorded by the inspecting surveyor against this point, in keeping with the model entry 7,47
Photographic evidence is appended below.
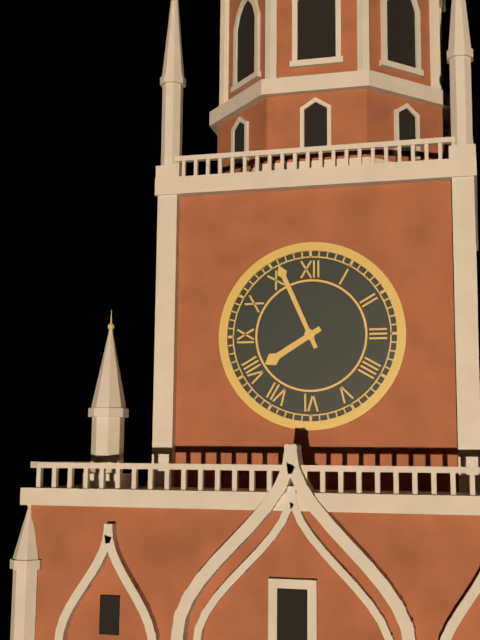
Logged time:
7,56
